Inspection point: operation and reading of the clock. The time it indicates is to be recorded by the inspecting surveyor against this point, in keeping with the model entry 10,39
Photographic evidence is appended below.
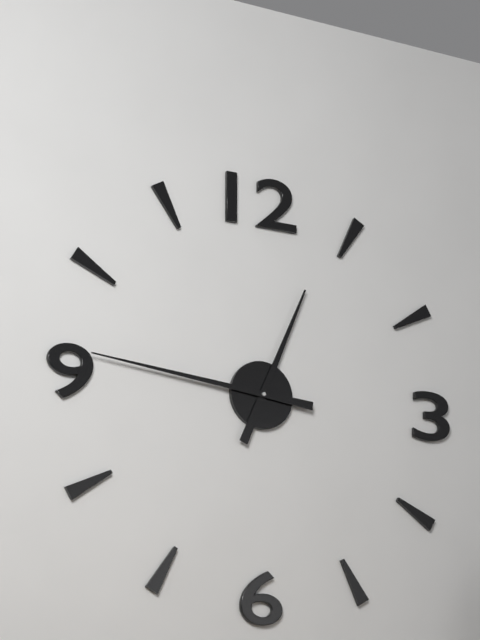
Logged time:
12,46
